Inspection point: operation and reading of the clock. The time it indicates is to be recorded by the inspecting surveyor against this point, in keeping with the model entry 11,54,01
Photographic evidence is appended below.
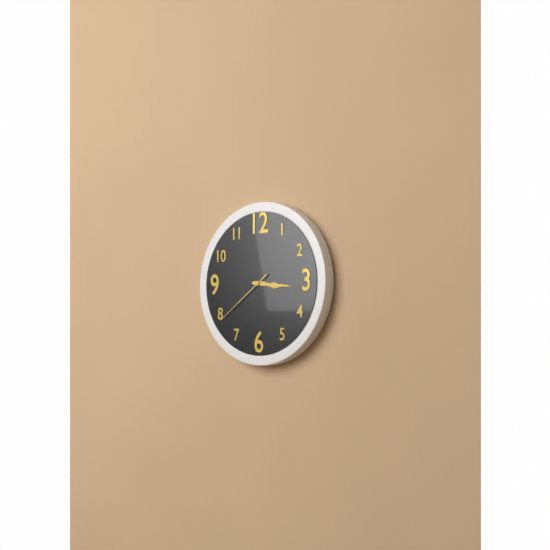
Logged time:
3,16,39
